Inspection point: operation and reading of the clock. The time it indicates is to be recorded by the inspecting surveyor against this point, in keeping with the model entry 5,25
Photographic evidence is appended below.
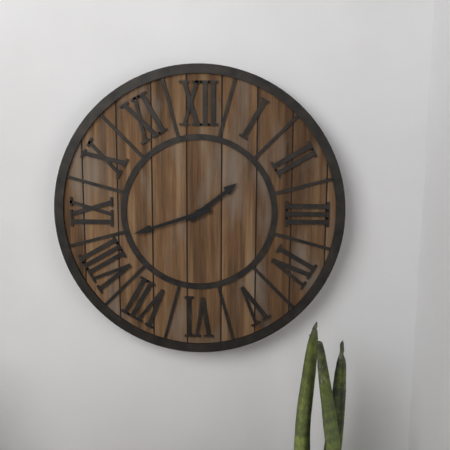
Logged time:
1,42
